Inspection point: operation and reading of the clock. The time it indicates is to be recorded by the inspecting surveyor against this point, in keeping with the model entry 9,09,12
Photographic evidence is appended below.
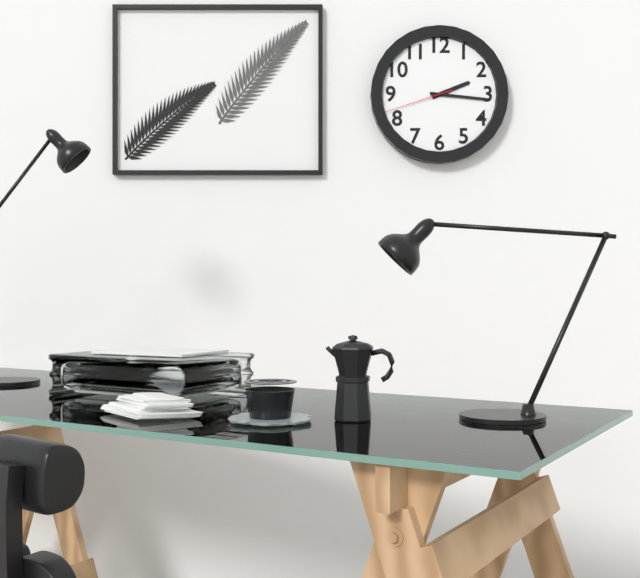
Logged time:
2,16,42
